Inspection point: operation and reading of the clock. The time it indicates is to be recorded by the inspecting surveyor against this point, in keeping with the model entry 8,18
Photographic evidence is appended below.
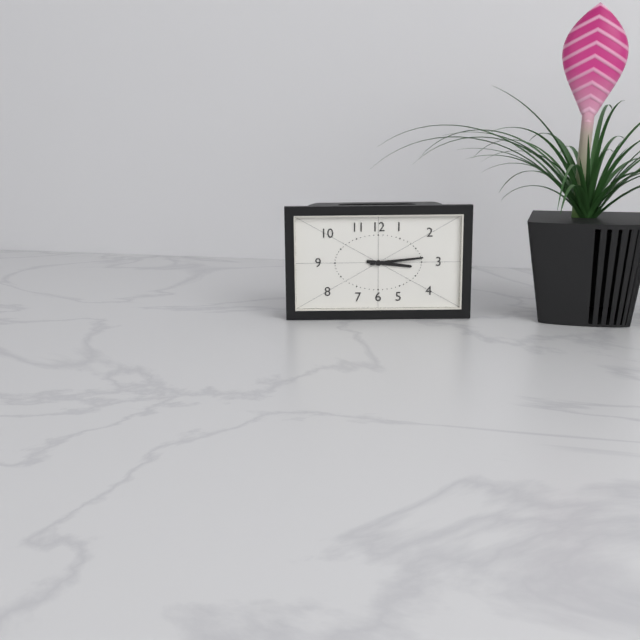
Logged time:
3,14
